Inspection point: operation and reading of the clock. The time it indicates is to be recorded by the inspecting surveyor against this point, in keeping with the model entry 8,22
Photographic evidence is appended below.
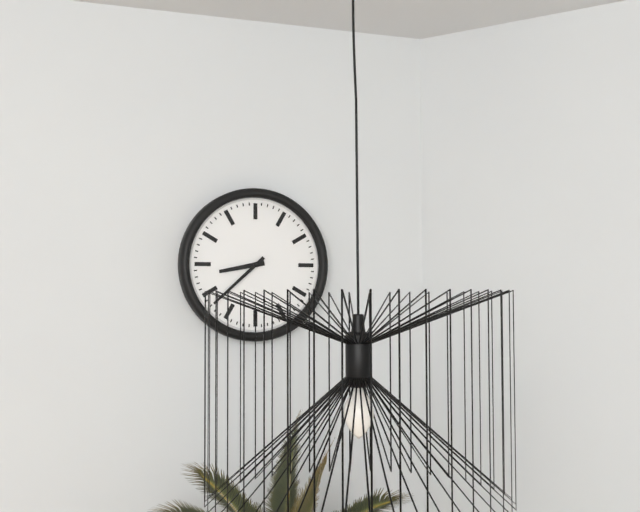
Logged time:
8,38
